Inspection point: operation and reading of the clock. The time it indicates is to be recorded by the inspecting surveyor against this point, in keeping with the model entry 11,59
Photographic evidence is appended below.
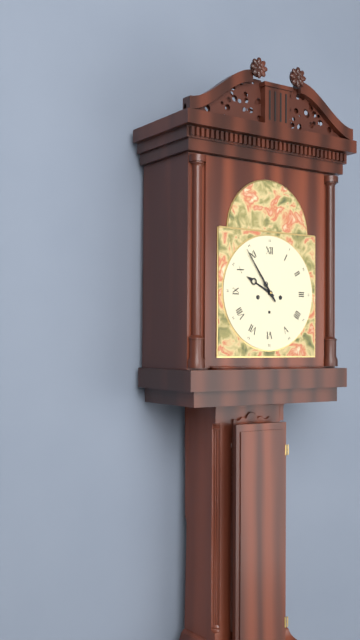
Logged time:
9,54
